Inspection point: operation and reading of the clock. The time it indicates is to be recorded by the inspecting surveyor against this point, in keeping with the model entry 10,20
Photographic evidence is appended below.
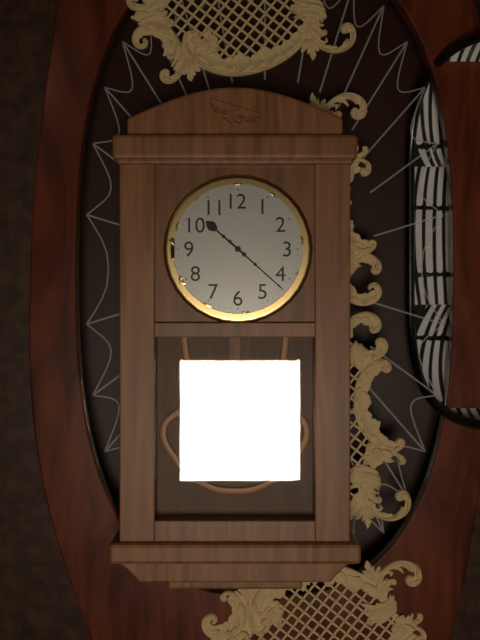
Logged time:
10,22
